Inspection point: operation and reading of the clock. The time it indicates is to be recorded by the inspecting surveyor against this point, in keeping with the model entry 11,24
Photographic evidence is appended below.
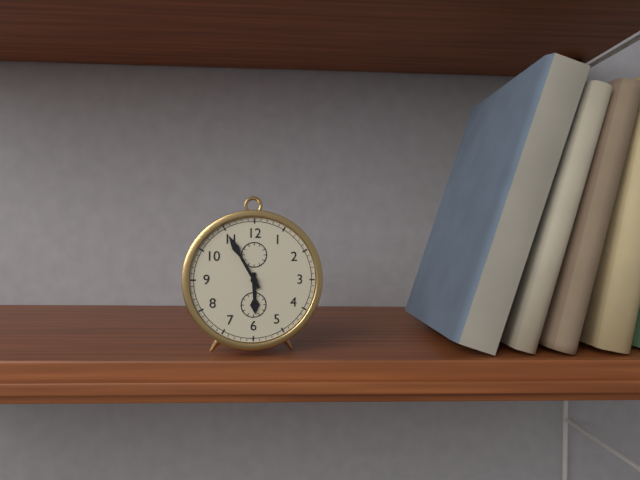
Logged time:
5,55
